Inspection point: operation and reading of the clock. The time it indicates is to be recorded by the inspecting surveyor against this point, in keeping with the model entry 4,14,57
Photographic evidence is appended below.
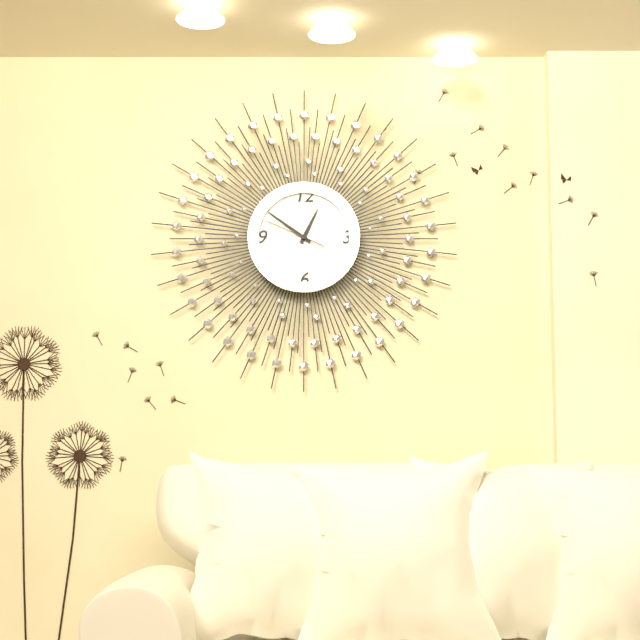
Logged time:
12,51,49
